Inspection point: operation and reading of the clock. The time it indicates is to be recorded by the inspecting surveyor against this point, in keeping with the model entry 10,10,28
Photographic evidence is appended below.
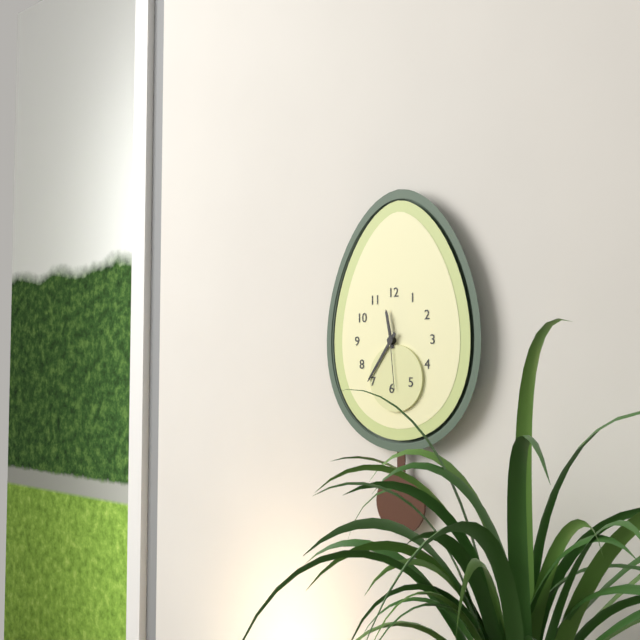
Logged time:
11,36,29
